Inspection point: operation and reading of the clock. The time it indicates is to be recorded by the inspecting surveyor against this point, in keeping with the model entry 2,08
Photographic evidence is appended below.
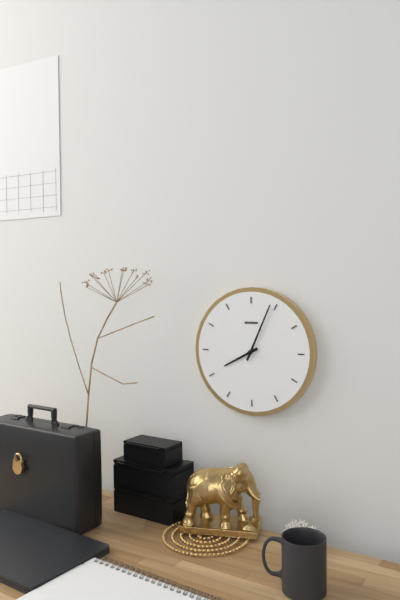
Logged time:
8,04
